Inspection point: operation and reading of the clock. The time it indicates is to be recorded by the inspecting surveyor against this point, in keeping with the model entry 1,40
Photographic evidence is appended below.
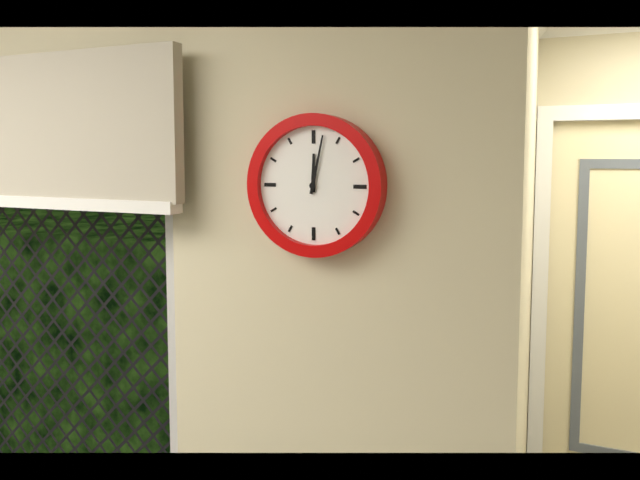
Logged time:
12,02
